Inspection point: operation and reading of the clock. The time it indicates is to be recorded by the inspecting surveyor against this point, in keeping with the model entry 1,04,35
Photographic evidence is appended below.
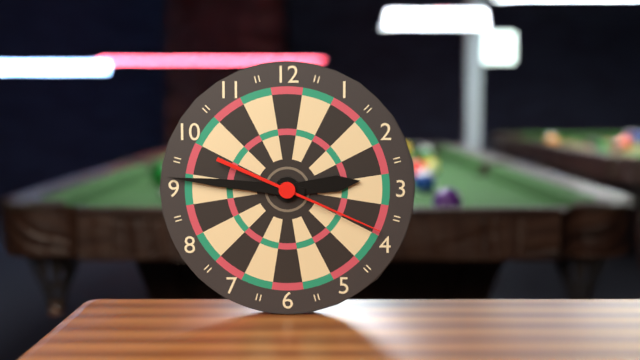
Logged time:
2,46,19
